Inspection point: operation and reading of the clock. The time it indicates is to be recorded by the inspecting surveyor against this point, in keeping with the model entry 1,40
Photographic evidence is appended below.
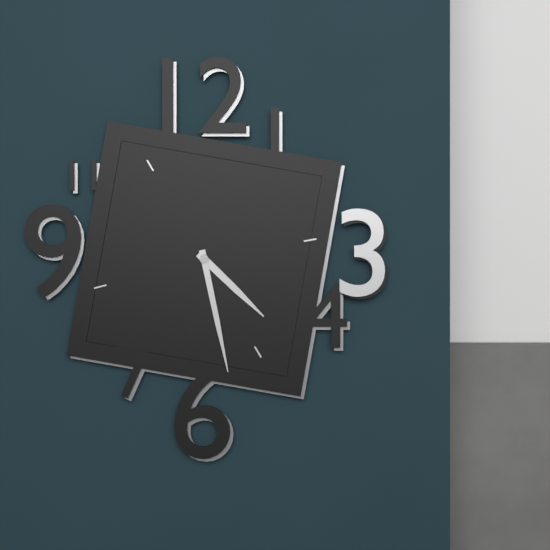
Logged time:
4,28
